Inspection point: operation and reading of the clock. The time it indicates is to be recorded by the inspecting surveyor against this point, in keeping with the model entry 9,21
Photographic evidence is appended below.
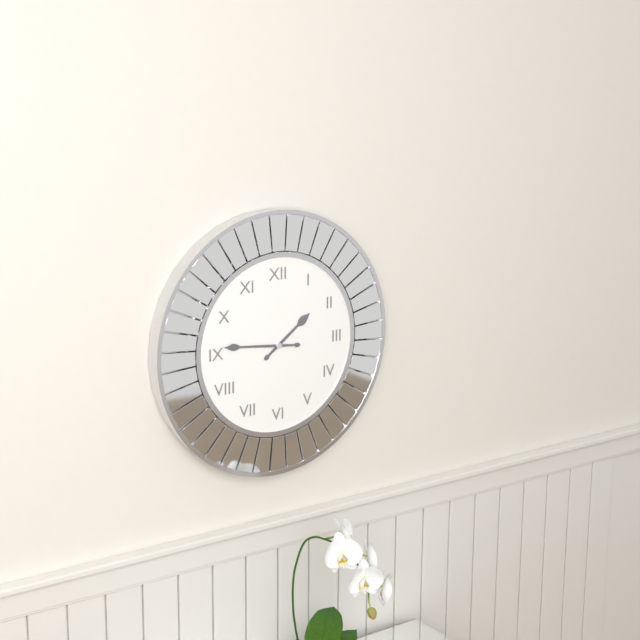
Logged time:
1,46
